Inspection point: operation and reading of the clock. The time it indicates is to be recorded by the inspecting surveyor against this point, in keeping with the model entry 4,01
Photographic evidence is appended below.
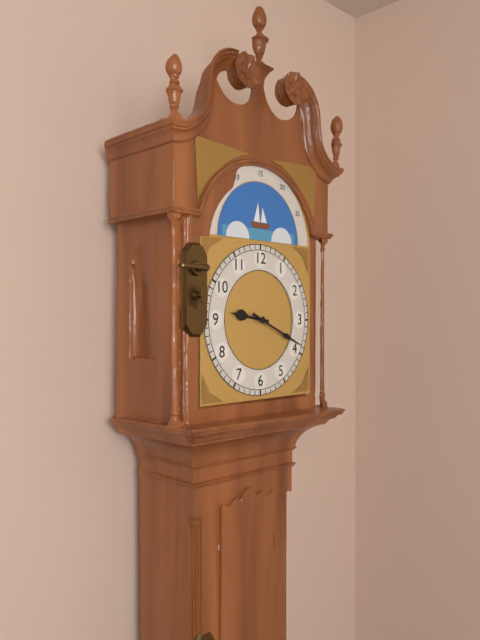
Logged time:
9,19
